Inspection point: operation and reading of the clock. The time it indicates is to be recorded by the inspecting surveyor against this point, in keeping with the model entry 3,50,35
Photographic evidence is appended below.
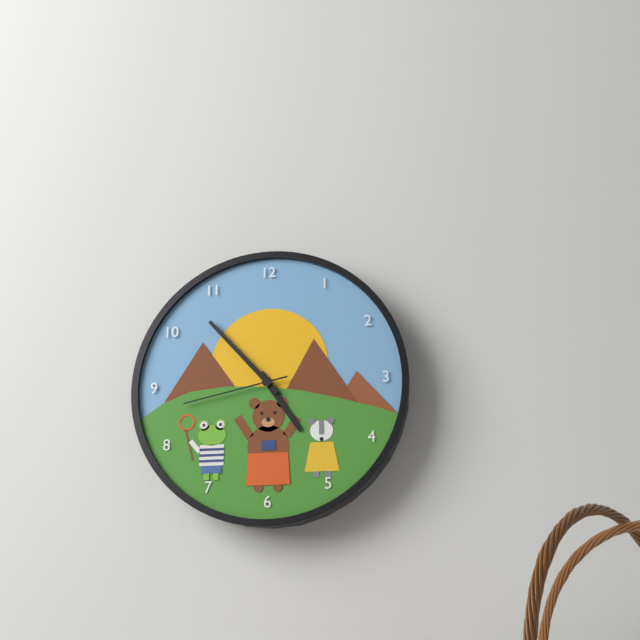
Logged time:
4,53,43
